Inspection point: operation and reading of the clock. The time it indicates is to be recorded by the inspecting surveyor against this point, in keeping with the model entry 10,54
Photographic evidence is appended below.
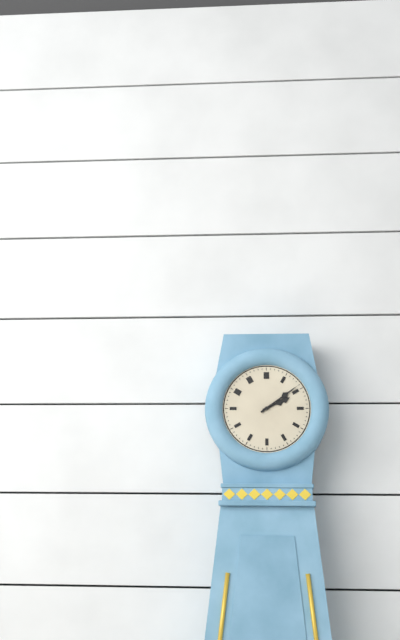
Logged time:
2,09
